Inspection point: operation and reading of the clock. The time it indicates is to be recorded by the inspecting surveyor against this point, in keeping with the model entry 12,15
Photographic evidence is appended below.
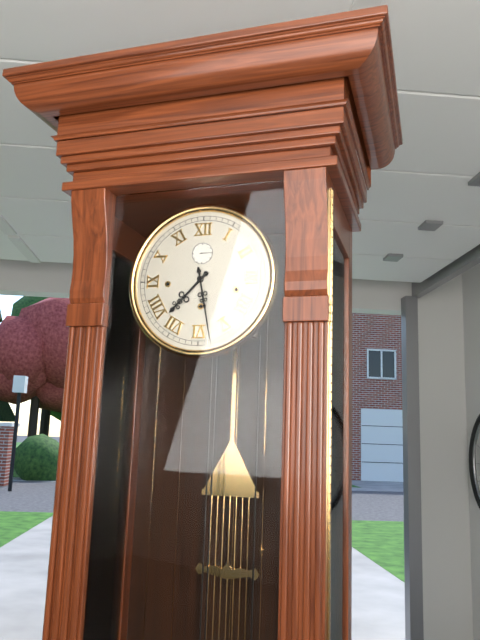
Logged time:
7,28
